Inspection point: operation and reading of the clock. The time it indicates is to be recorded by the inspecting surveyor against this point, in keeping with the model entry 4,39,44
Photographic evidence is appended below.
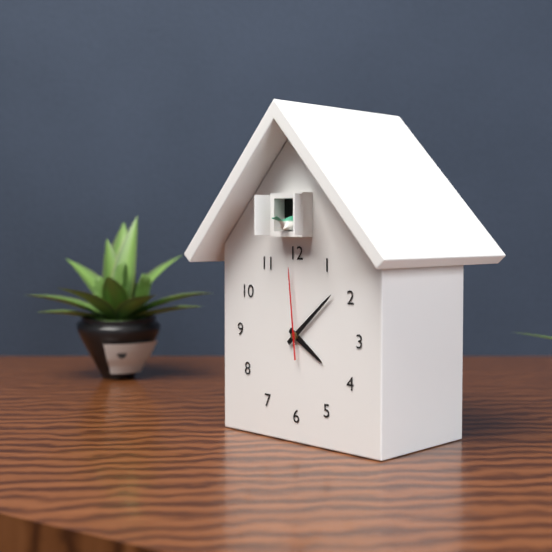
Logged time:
4,08,59
